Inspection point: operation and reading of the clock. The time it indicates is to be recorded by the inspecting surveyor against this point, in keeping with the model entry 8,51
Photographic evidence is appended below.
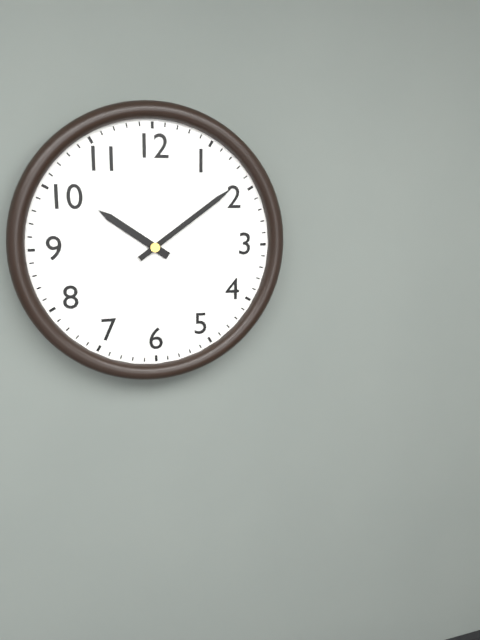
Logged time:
10,09
